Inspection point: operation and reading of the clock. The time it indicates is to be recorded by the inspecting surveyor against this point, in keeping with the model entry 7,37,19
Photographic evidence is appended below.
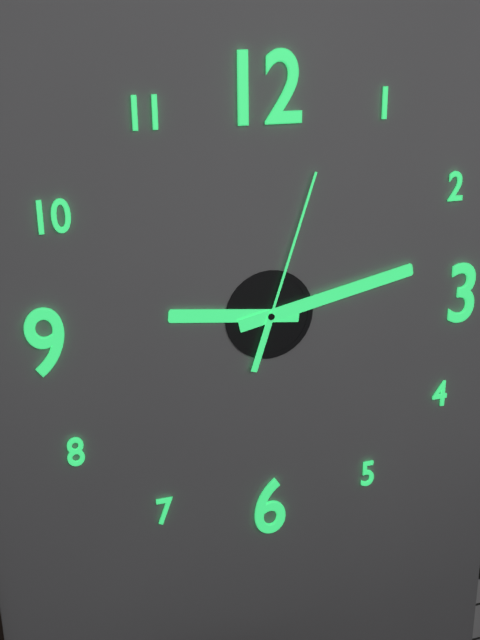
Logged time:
9,13,03
